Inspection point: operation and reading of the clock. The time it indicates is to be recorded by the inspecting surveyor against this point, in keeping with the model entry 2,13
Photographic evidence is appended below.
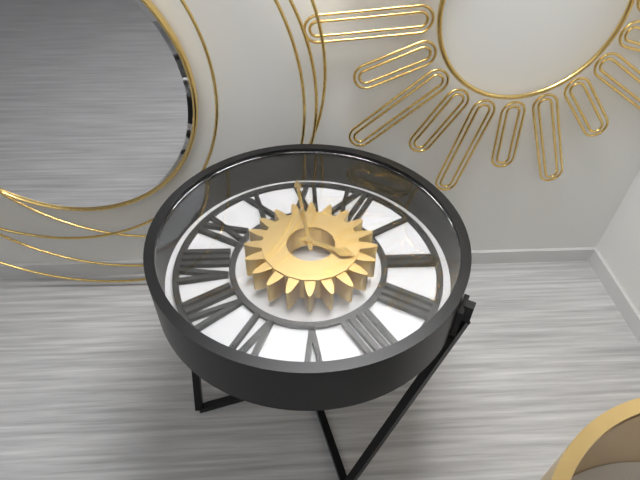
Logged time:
2,54
